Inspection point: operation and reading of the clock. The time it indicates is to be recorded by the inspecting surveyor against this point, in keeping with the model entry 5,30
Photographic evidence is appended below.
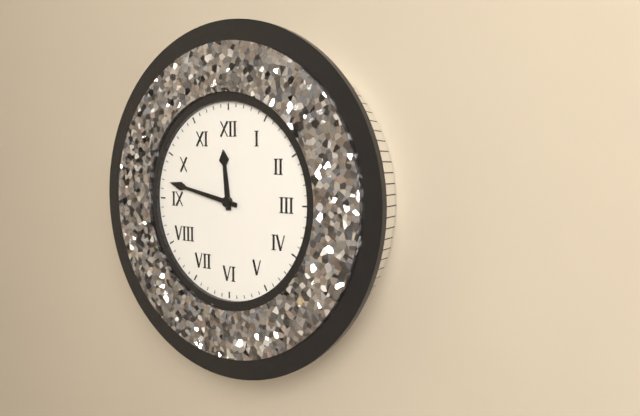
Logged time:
11,47
